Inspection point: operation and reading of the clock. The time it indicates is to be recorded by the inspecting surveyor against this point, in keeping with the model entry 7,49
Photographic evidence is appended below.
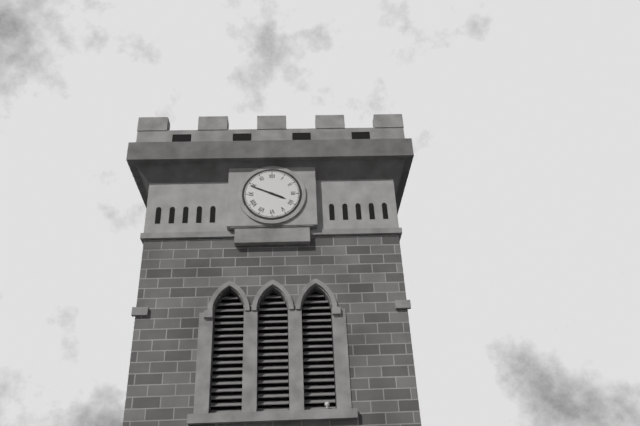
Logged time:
3,49
